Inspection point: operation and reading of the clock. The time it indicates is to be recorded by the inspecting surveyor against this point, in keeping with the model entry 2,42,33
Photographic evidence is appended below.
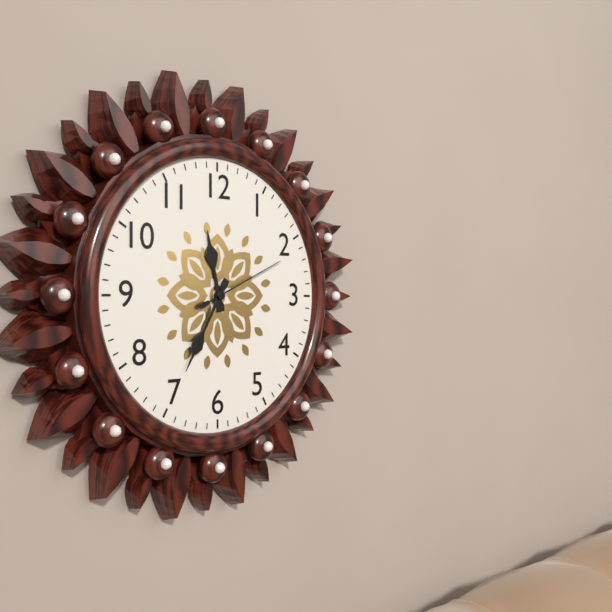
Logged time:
11,35,11
